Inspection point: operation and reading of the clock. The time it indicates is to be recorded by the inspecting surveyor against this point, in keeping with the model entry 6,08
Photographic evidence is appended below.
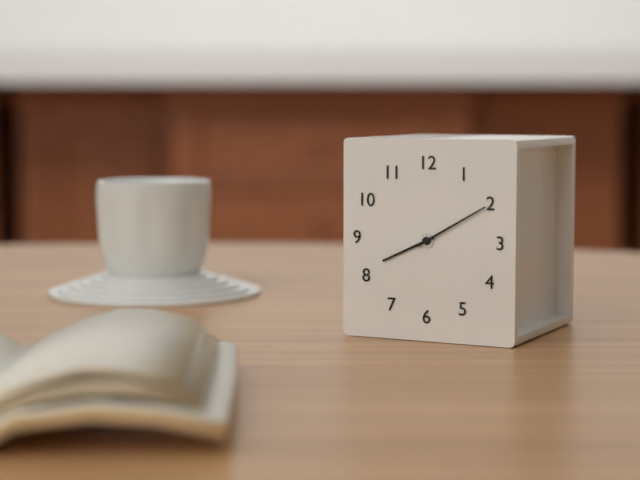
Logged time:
8,10
